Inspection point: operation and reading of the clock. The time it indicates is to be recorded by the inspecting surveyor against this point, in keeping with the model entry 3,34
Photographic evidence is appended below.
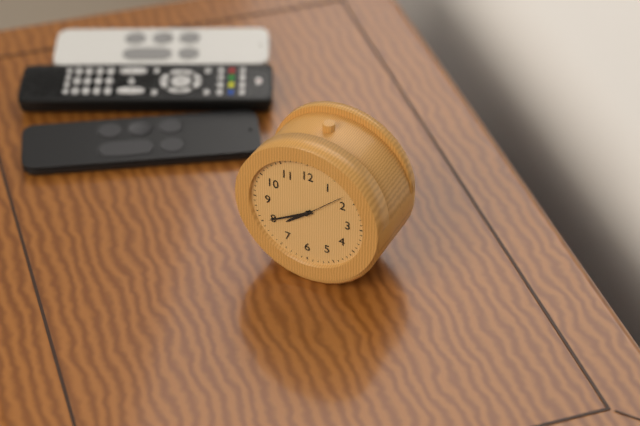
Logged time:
7,40
